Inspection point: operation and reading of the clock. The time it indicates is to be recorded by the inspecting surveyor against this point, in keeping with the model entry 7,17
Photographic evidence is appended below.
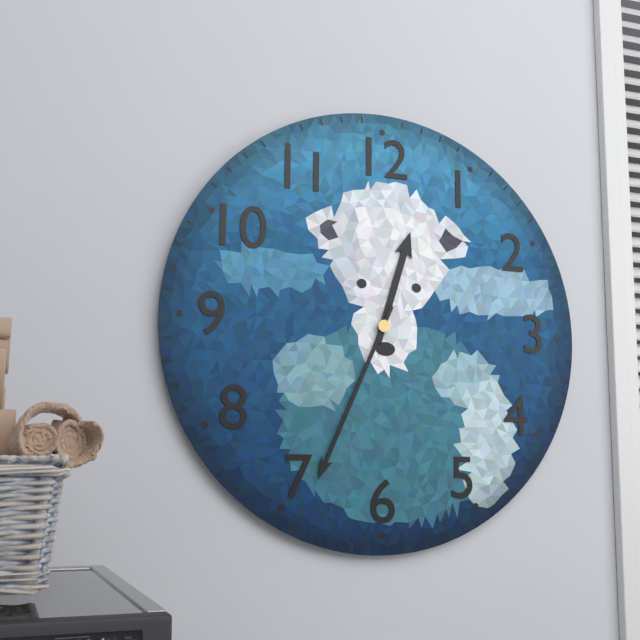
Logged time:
12,34
